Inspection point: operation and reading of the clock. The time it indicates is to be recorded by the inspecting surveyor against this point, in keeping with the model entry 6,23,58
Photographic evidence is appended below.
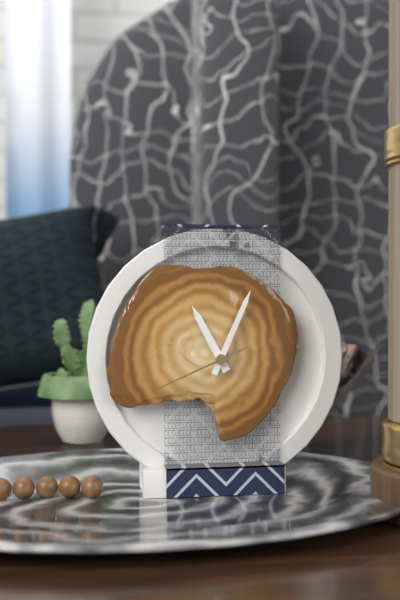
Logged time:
11,04,41
